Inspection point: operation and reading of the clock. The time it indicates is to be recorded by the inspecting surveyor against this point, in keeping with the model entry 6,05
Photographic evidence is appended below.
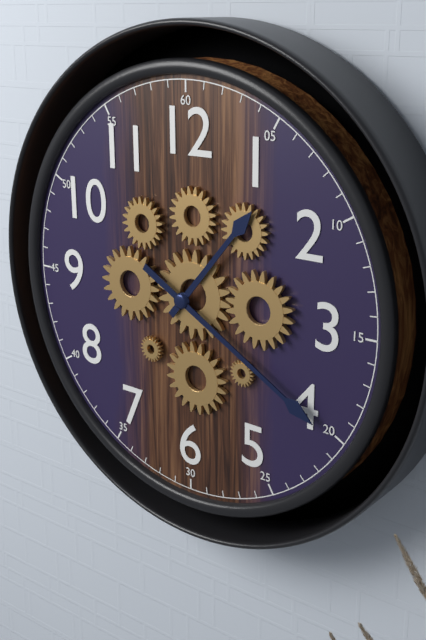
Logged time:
1,20
